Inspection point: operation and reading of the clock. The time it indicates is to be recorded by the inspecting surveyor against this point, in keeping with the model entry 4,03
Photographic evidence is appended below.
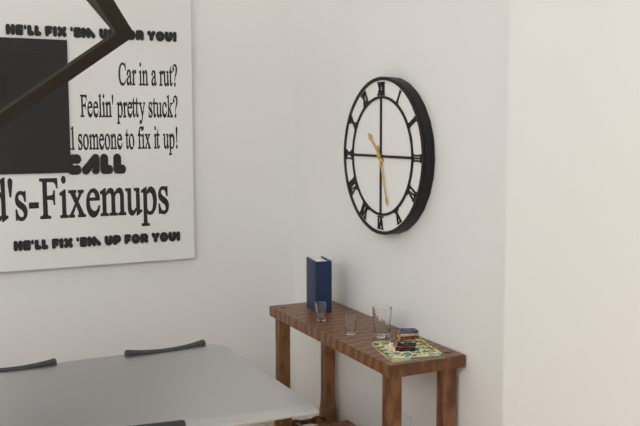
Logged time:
10,27
